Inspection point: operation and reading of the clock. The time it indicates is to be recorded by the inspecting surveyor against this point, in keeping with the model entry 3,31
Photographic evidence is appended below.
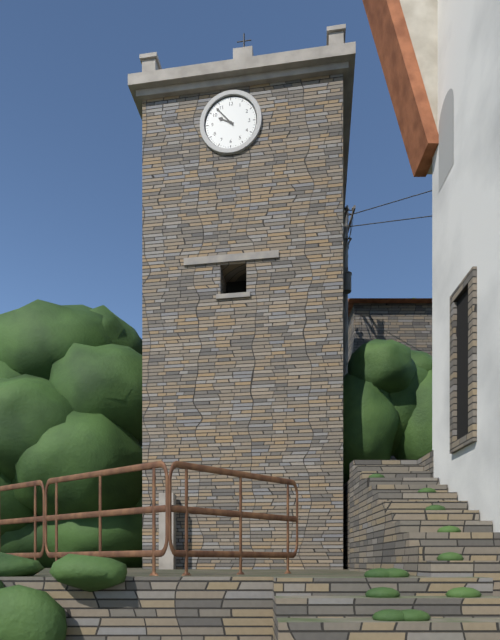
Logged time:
9,53
